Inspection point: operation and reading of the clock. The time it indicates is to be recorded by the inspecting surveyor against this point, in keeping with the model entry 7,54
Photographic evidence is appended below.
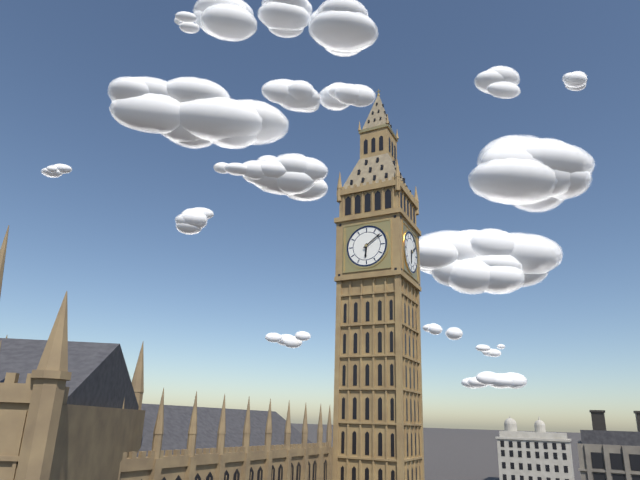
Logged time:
6,09
